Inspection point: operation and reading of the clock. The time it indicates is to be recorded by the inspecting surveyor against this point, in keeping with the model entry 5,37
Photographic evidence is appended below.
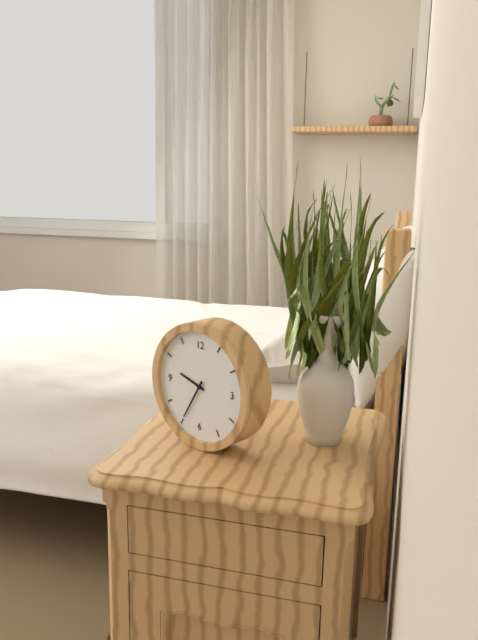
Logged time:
9,35
